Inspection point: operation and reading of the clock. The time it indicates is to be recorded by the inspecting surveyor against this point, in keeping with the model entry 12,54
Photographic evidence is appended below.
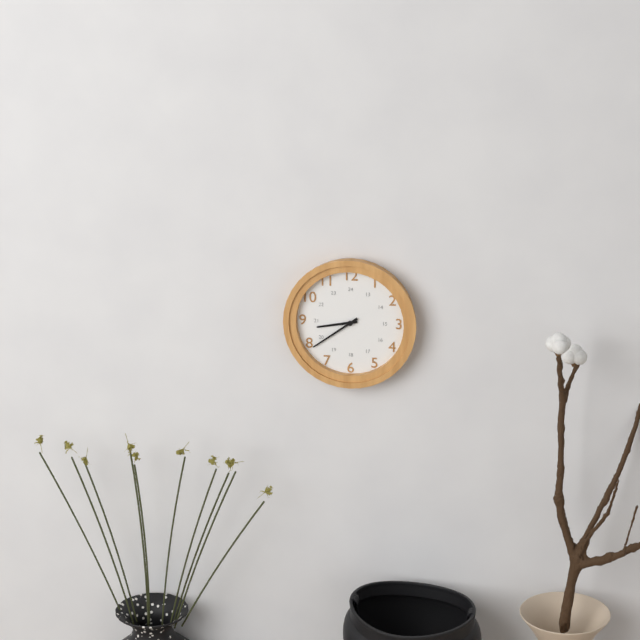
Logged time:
8,39
